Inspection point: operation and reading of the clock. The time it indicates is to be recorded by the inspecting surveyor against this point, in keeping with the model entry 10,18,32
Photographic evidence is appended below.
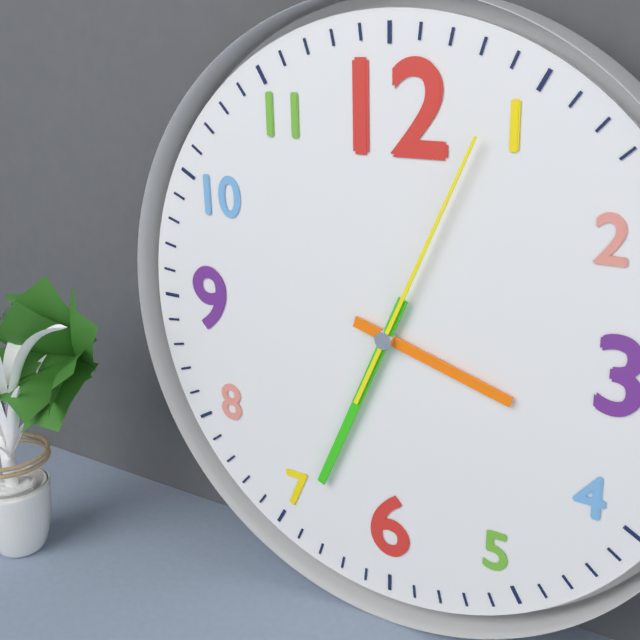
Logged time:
3,34,04
